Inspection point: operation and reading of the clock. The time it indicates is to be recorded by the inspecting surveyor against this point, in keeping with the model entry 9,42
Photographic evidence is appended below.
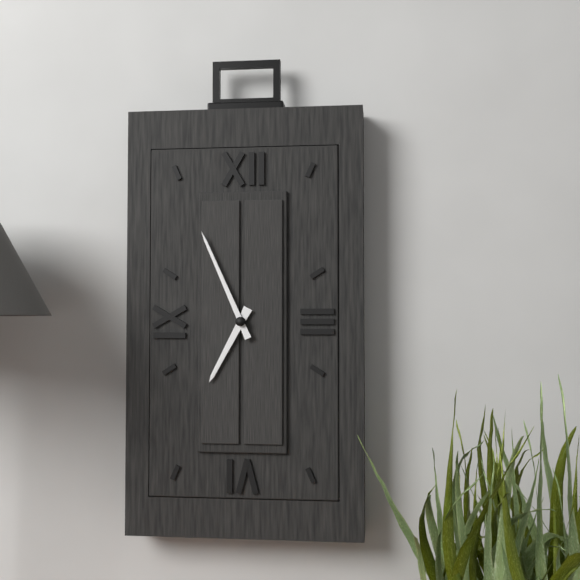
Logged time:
6,56
